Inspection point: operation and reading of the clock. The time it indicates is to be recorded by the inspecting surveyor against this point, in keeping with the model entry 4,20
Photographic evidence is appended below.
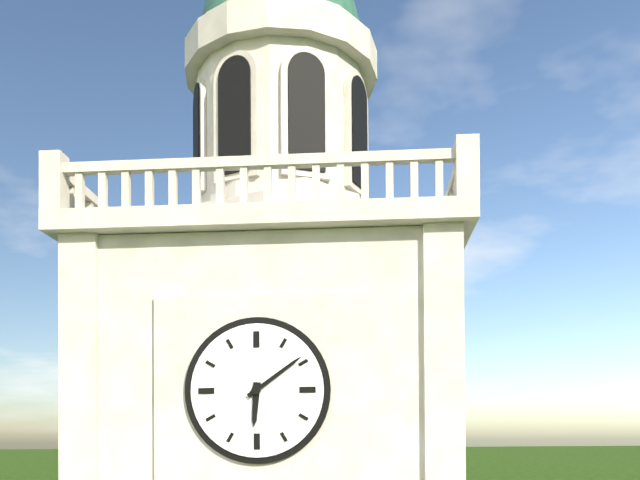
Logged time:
6,09
